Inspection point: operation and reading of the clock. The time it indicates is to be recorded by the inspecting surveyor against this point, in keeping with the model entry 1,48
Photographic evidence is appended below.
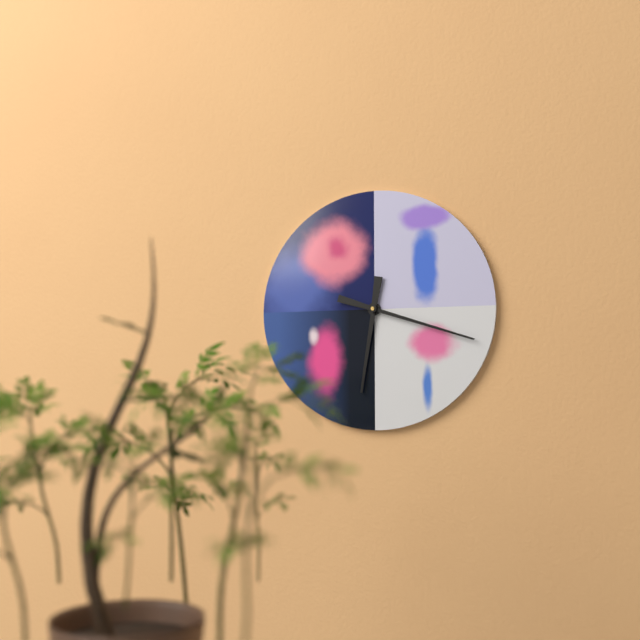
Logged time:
6,18
